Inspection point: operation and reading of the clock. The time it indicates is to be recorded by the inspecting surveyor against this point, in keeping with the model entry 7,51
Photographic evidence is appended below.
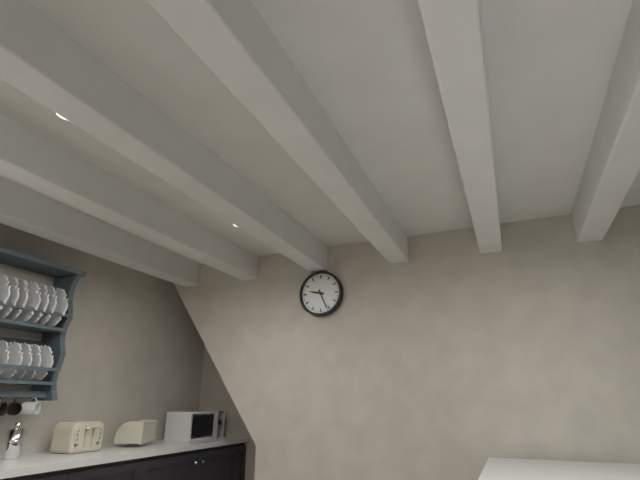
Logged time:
9,26
